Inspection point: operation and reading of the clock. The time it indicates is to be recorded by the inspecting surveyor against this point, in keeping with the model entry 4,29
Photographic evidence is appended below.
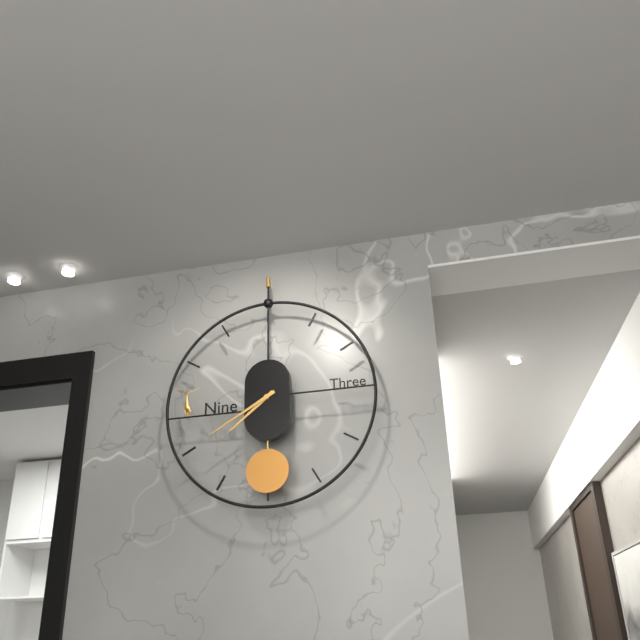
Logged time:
7,40
